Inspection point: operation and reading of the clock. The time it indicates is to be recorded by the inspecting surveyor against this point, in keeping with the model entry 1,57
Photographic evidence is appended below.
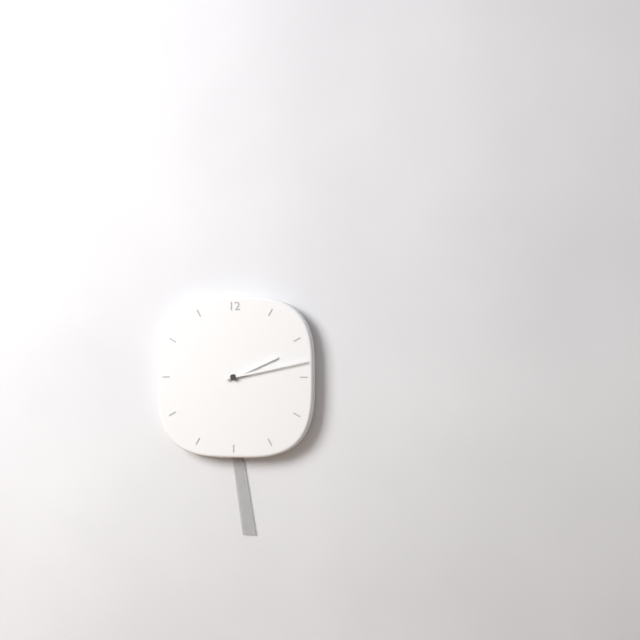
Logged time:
2,13
